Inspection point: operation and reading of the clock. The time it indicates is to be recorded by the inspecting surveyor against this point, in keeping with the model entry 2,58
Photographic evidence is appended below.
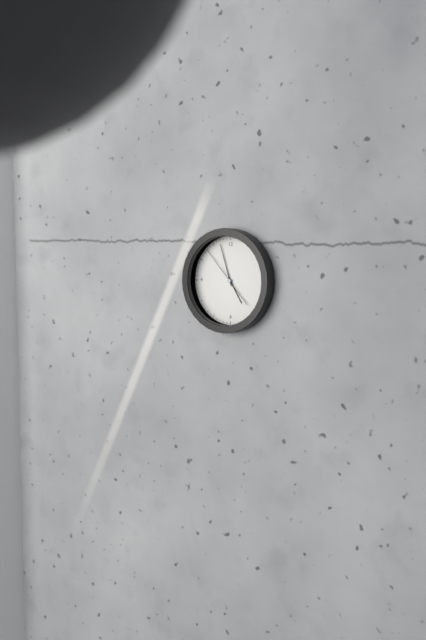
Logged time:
4,57
